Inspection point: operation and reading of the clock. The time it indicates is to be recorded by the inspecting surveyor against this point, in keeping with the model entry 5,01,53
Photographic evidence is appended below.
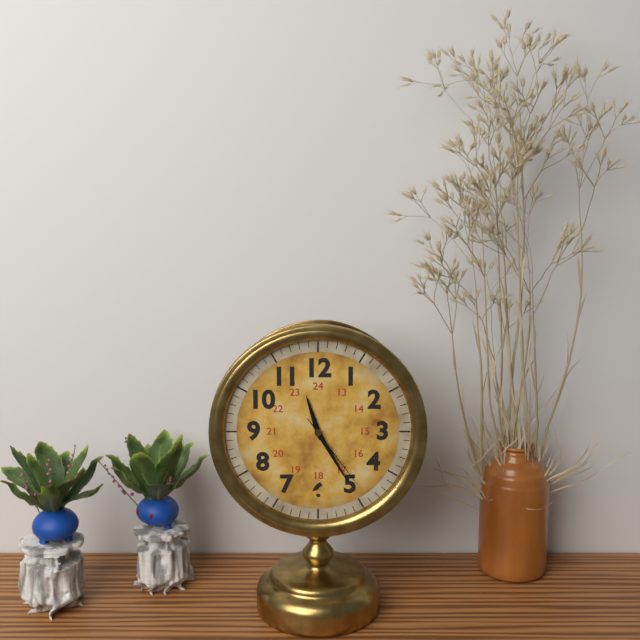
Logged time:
11,25,24
